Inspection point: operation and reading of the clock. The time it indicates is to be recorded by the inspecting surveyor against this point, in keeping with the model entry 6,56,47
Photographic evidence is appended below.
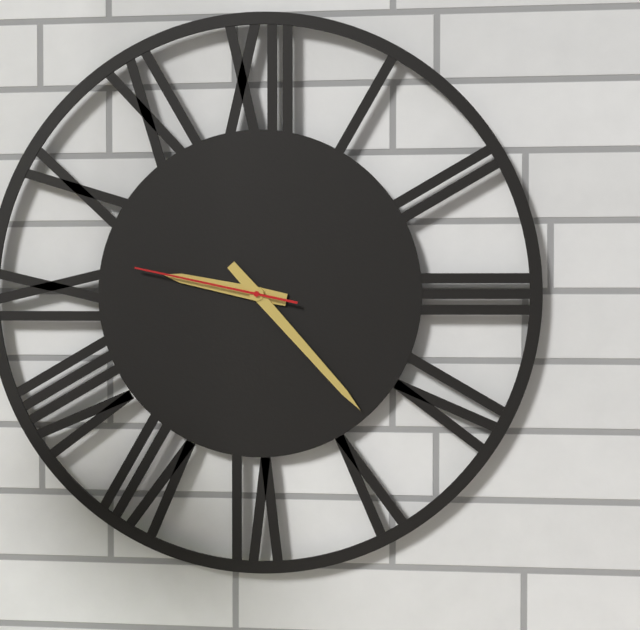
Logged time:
9,23,47
